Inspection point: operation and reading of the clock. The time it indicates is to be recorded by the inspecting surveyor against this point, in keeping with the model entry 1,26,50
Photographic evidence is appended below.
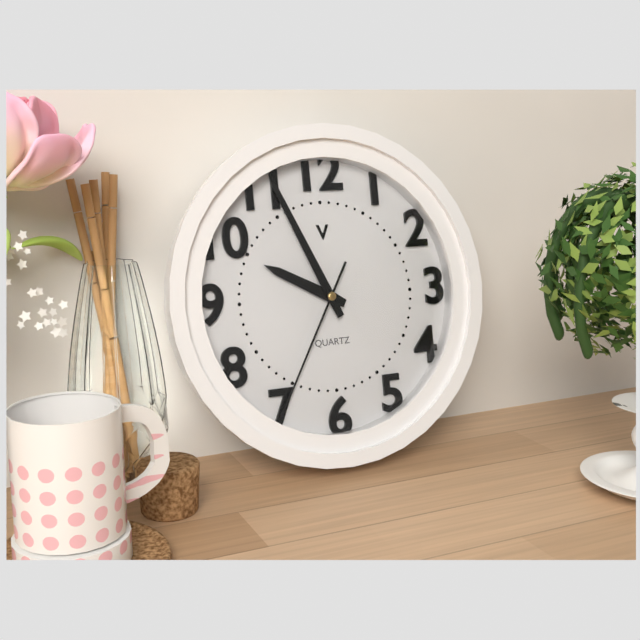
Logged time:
9,56,35
